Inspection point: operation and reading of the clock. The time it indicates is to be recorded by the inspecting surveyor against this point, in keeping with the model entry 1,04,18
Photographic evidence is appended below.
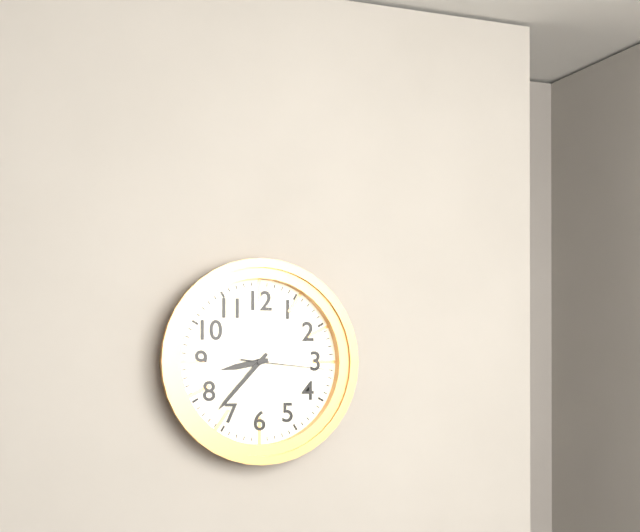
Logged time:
8,37,16
